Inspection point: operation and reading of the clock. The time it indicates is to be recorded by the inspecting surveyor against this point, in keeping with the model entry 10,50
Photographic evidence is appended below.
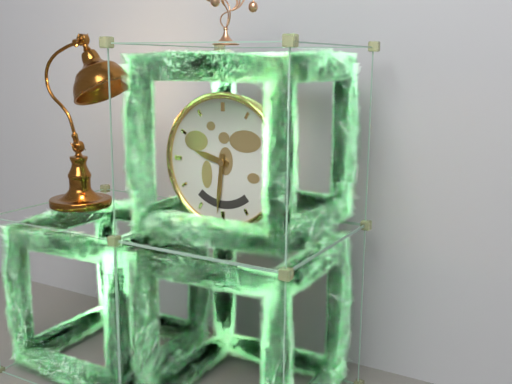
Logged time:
9,31
